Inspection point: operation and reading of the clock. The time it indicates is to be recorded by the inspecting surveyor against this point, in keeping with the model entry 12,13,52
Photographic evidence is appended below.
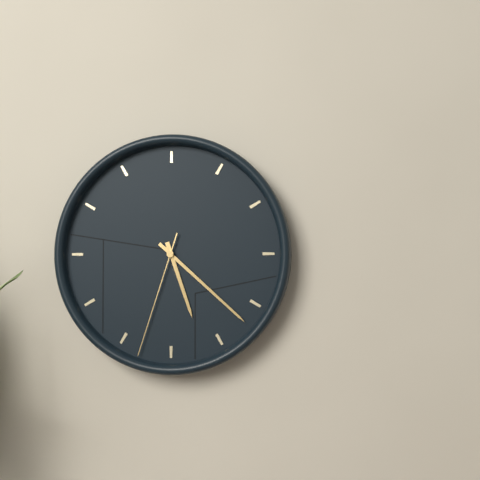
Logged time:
5,22,33
